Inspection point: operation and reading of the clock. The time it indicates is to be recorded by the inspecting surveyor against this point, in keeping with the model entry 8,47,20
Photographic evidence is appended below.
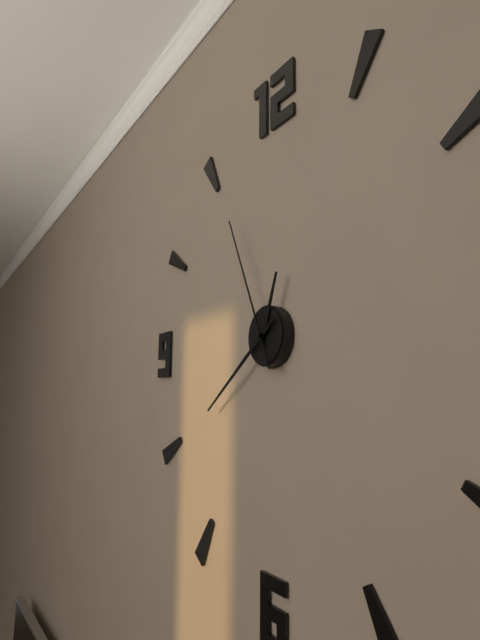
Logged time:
12,39,56
